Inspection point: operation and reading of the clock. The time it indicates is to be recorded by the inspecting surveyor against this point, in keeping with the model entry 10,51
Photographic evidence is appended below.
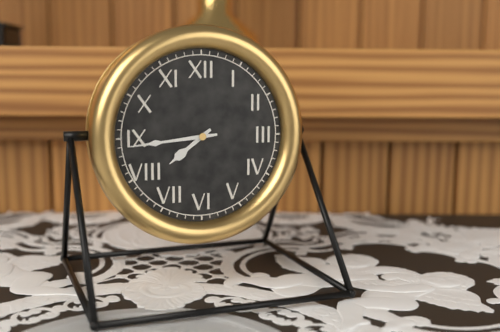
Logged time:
7,44
